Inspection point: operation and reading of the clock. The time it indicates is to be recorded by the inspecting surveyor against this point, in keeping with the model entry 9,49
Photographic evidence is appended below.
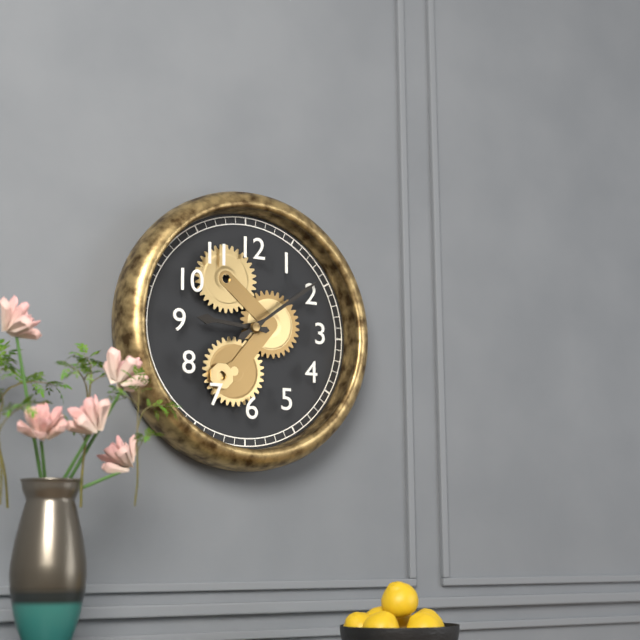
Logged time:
9,09
